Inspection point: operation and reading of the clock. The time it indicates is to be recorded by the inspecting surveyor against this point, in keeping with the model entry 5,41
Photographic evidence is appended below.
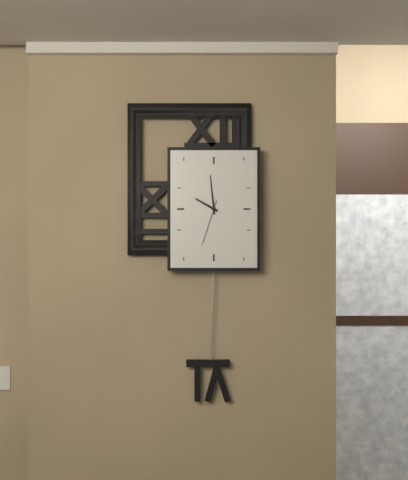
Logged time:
9,59
